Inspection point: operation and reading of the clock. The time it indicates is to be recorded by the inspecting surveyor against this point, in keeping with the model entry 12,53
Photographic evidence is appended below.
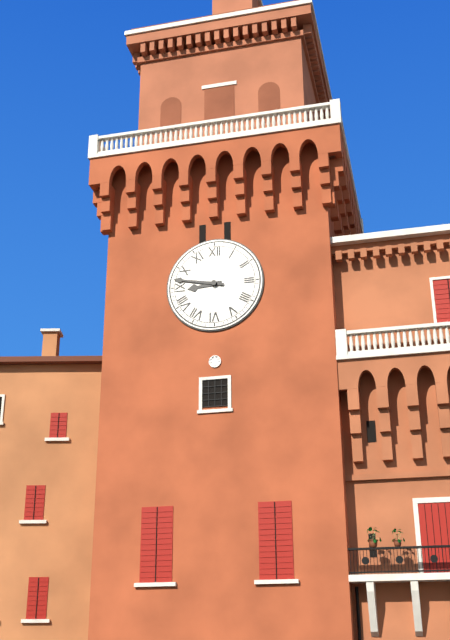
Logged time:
8,47
